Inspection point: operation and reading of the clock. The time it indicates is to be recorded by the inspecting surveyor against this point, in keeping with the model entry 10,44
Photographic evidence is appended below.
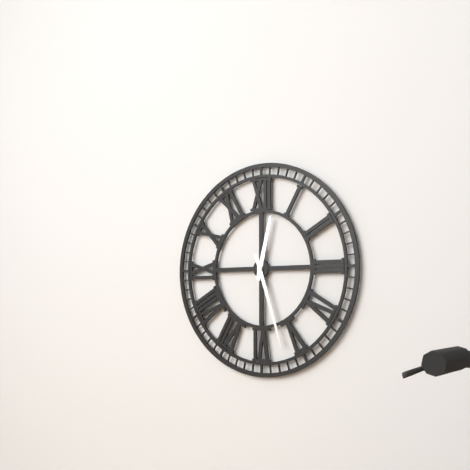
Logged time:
12,27
